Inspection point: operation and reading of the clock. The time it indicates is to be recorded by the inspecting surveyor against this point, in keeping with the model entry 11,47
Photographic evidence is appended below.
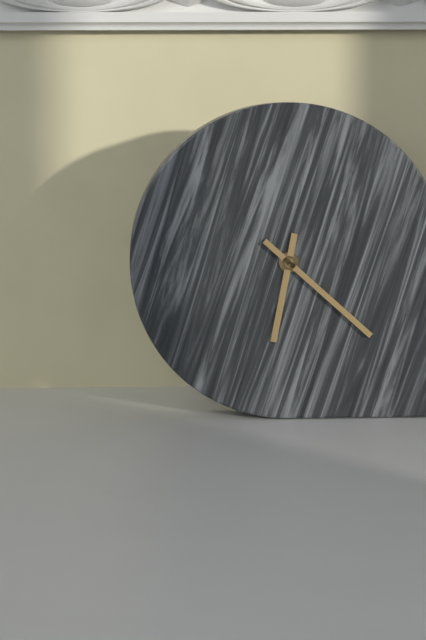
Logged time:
6,22
